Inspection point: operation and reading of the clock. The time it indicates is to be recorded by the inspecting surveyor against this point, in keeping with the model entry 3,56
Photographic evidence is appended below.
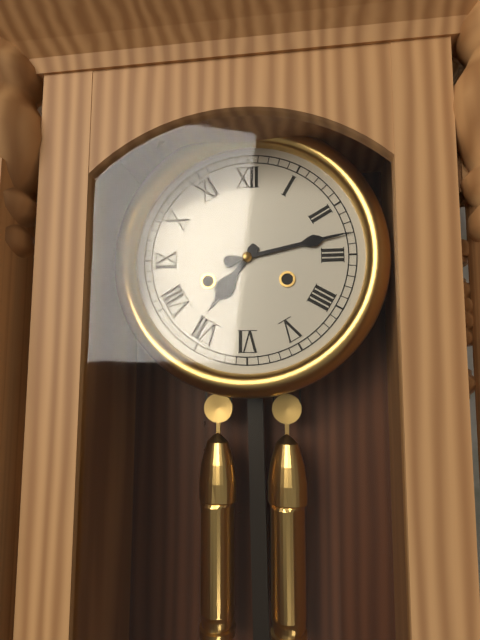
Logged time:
7,13
